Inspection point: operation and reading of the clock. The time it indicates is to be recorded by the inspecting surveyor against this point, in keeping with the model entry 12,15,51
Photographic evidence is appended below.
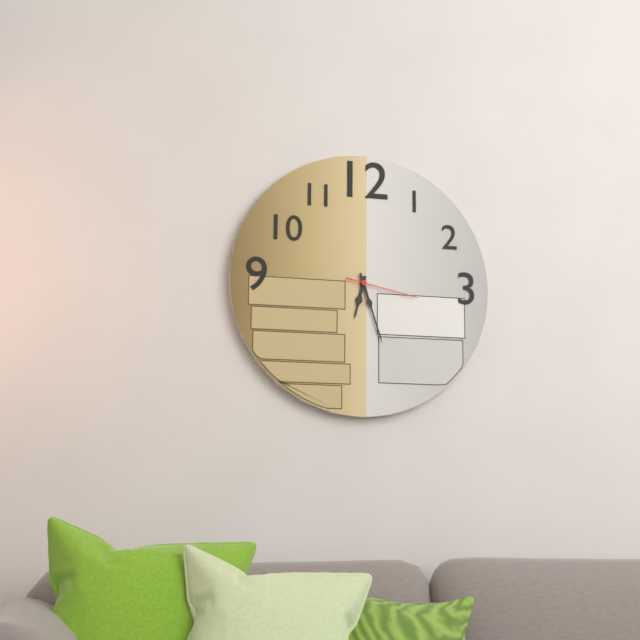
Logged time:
6,27,17
